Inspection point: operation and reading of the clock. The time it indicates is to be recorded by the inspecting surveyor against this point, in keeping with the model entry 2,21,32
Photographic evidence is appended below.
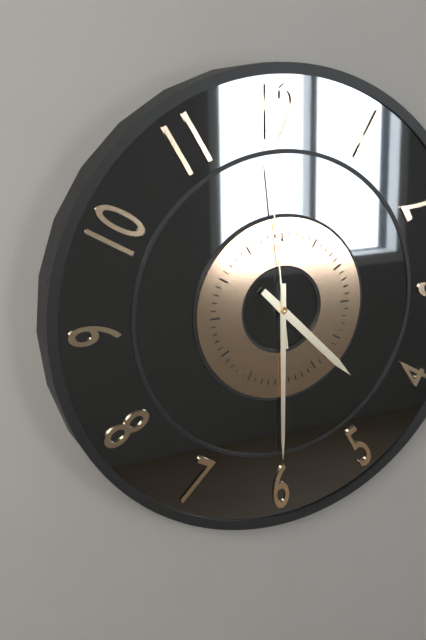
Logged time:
4,30,59
